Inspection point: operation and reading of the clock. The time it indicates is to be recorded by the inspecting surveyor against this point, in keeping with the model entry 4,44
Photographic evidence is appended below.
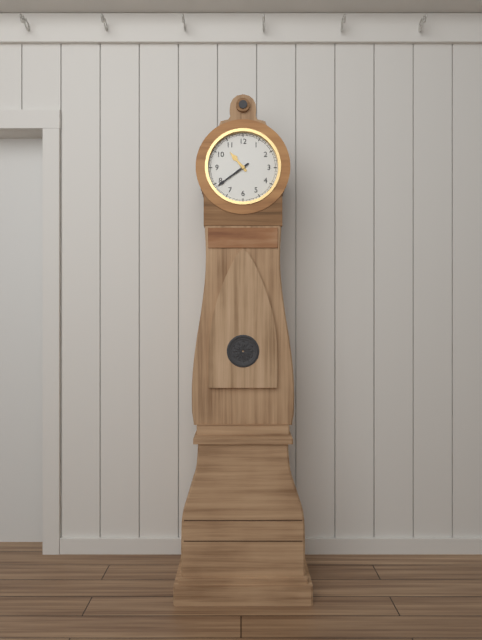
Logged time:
10,39
